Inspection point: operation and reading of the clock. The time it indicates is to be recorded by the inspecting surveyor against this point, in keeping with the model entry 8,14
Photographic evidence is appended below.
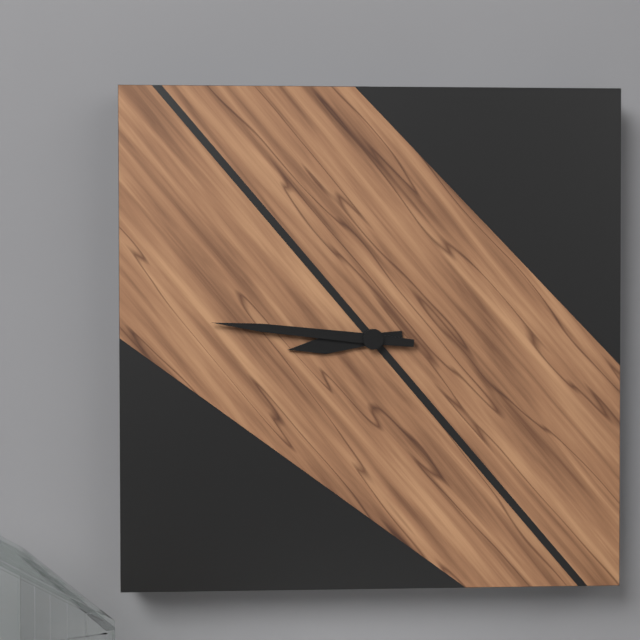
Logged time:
8,46
